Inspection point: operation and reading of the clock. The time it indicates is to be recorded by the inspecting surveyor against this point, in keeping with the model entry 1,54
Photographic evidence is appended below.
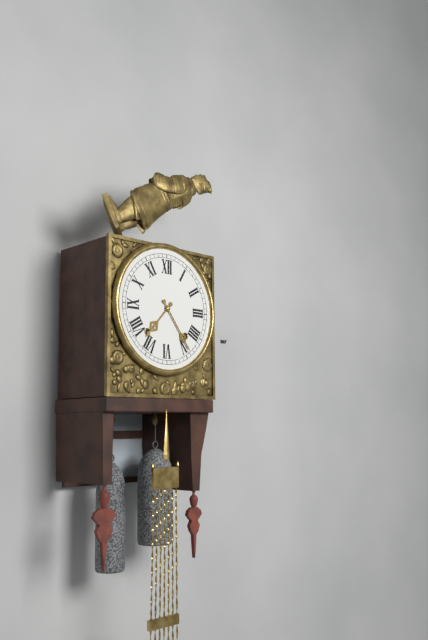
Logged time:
7,24
